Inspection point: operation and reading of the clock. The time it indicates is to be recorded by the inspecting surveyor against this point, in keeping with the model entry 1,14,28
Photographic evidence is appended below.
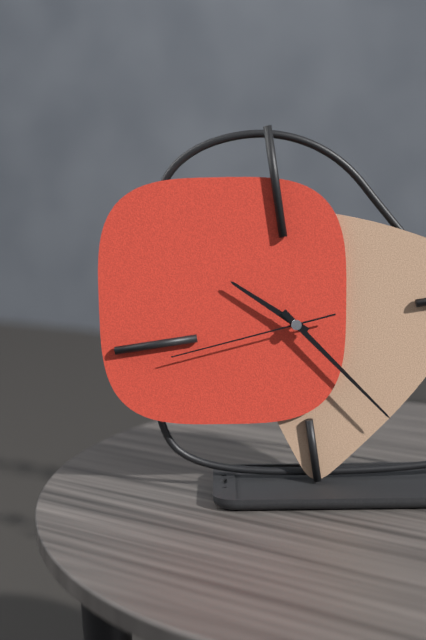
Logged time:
10,24,44
